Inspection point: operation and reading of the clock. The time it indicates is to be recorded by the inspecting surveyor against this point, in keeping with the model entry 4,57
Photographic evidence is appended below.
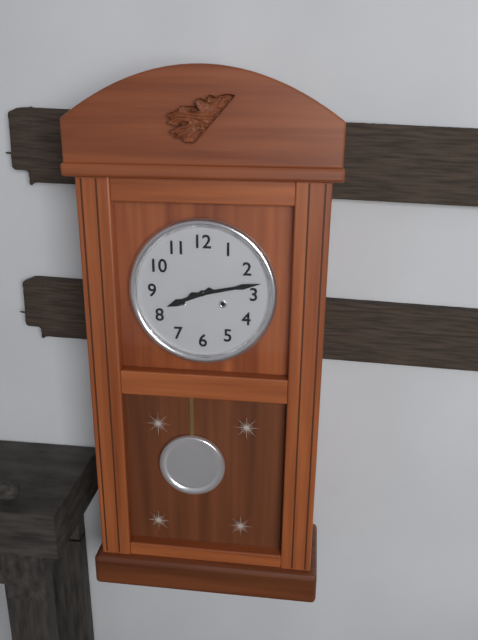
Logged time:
8,13
